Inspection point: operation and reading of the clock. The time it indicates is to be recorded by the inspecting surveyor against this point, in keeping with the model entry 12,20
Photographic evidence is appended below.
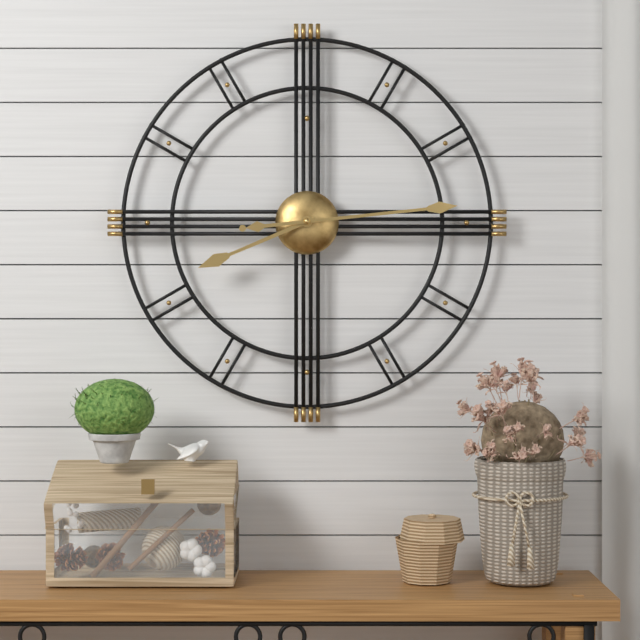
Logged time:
8,14
